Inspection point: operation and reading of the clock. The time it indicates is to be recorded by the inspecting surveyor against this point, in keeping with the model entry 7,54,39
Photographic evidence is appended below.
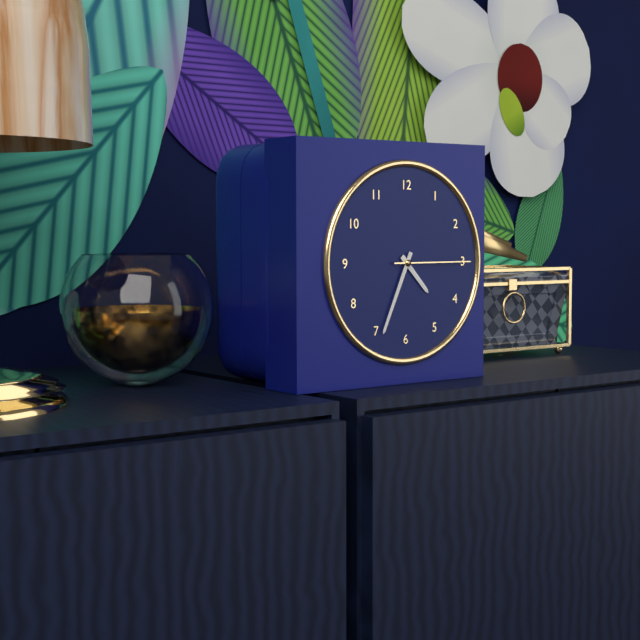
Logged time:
4,34,15
